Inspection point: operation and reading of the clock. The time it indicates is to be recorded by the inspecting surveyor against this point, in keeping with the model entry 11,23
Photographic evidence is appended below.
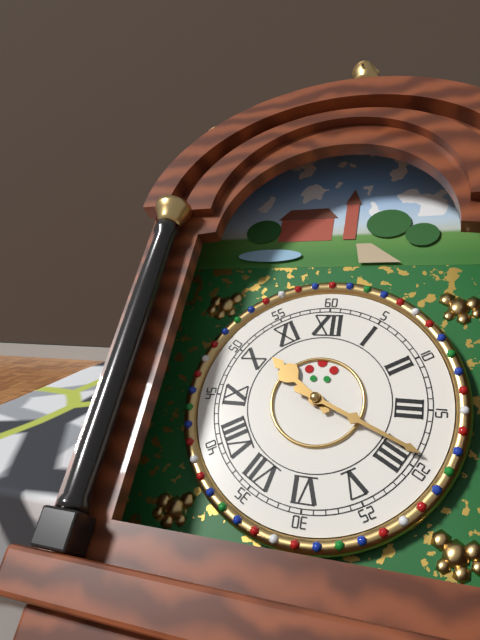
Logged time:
10,19
